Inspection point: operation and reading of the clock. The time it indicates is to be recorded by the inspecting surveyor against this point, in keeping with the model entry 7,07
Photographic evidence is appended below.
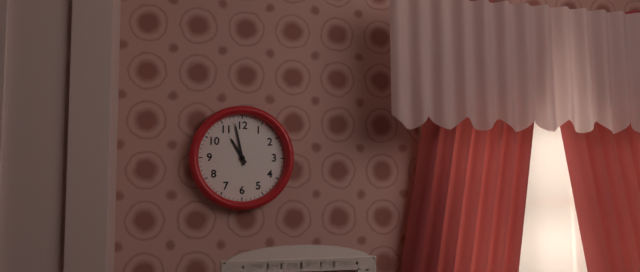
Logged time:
10,58
